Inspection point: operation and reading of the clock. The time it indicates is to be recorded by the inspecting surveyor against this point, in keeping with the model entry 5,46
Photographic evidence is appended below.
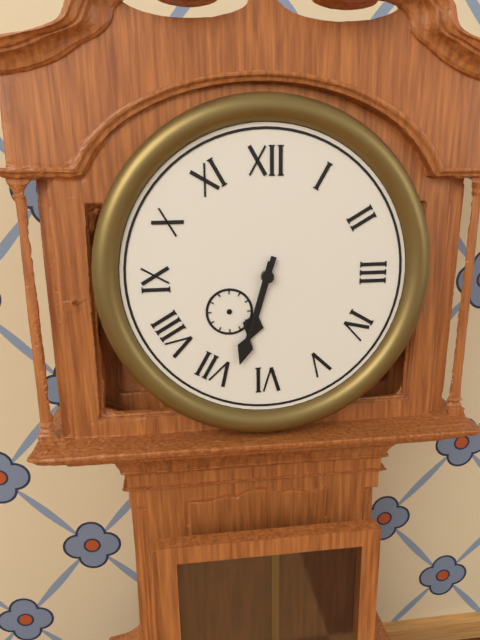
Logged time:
6,33
